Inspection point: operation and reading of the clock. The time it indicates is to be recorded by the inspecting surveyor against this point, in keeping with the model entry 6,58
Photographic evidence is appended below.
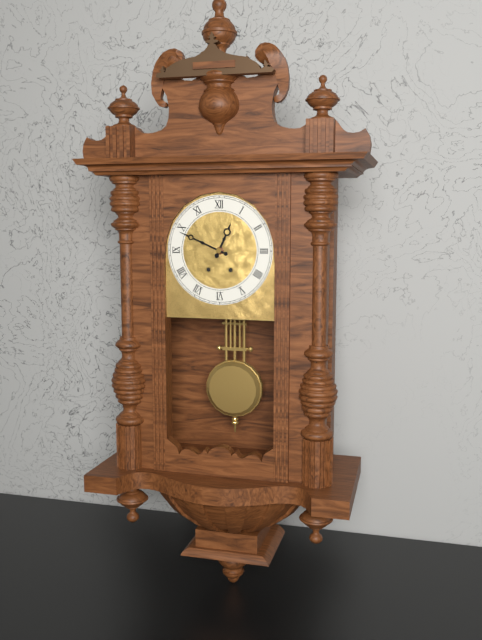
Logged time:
12,49
